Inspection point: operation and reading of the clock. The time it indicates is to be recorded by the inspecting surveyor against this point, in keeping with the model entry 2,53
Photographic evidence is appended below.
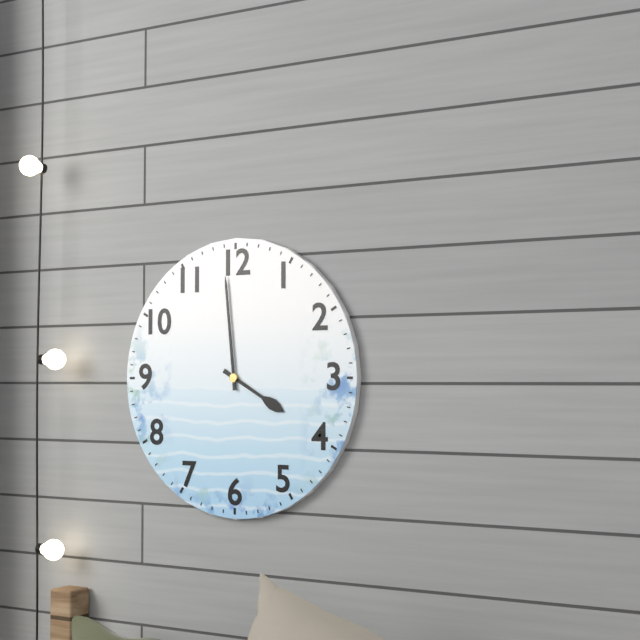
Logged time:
3,59
